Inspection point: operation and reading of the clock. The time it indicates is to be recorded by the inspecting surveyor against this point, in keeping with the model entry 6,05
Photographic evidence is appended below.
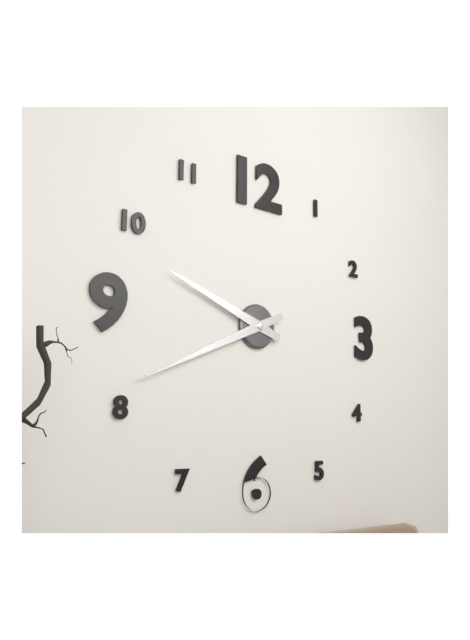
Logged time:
9,41
